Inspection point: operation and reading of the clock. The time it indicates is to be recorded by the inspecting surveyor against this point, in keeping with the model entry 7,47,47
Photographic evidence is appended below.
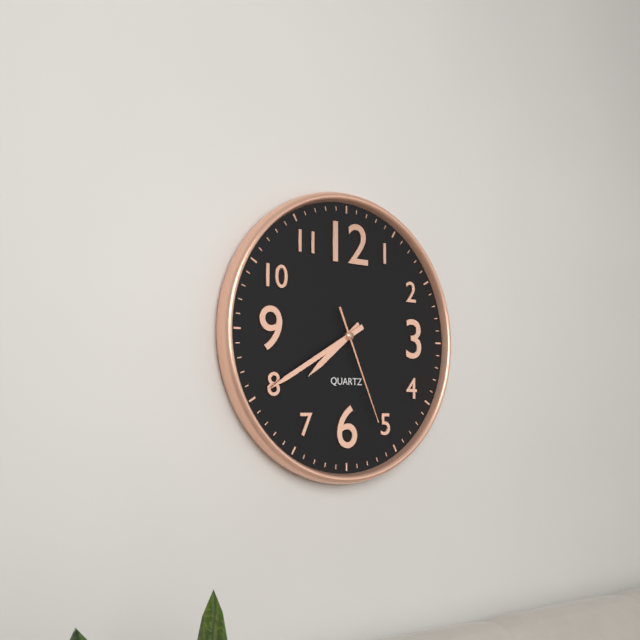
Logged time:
7,40,26
